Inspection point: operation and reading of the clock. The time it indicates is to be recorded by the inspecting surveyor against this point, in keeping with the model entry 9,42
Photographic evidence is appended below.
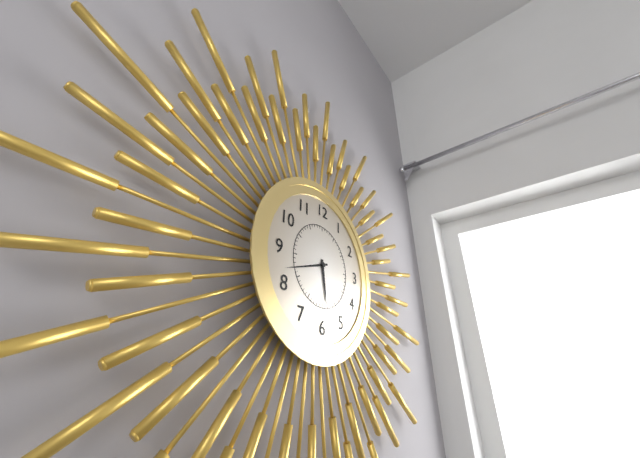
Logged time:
5,42
